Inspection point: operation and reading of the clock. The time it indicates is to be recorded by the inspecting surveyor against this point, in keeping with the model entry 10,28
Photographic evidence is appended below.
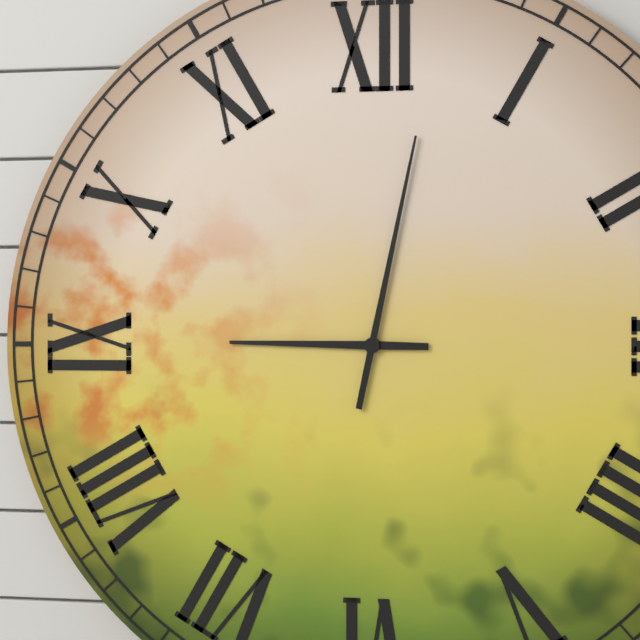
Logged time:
9,02
